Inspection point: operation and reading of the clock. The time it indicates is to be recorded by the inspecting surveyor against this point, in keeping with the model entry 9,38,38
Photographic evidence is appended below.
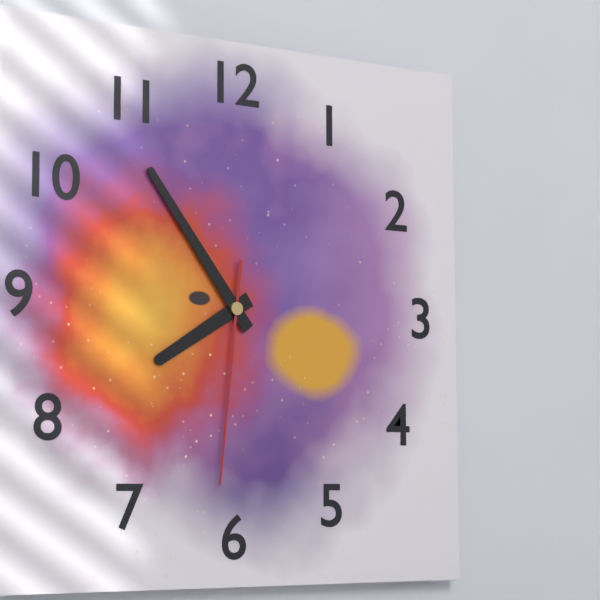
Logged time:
7,54,31
